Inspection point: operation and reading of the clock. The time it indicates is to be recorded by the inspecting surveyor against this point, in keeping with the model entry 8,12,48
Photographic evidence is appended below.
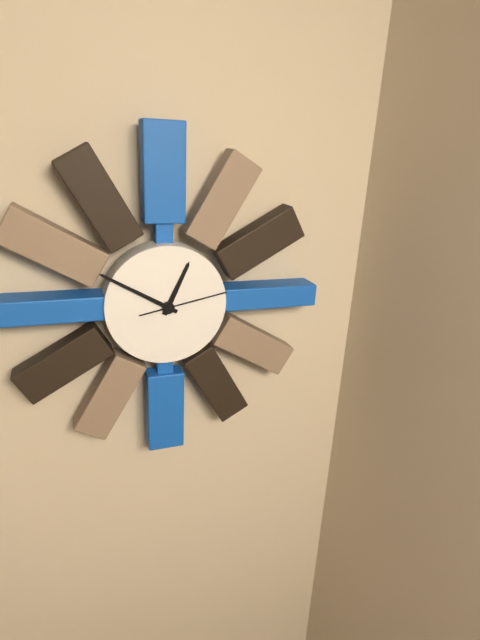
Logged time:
12,50,13
